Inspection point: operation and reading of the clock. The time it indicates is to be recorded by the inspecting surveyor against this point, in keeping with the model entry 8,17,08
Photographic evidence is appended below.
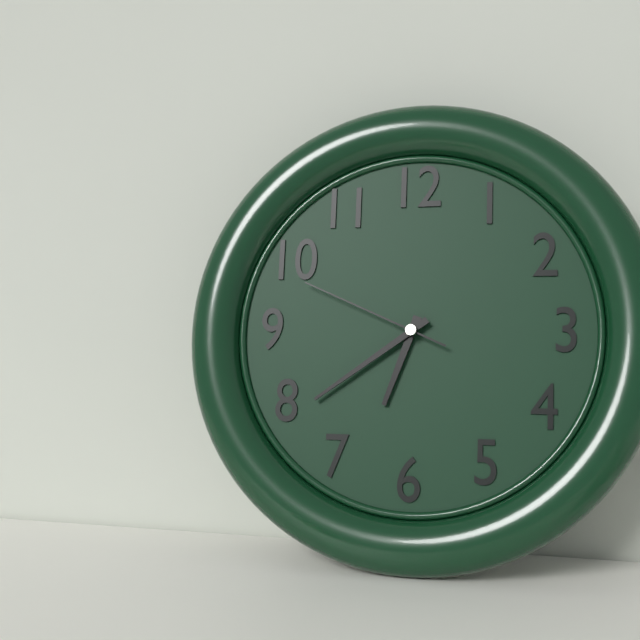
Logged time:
6,39,49
